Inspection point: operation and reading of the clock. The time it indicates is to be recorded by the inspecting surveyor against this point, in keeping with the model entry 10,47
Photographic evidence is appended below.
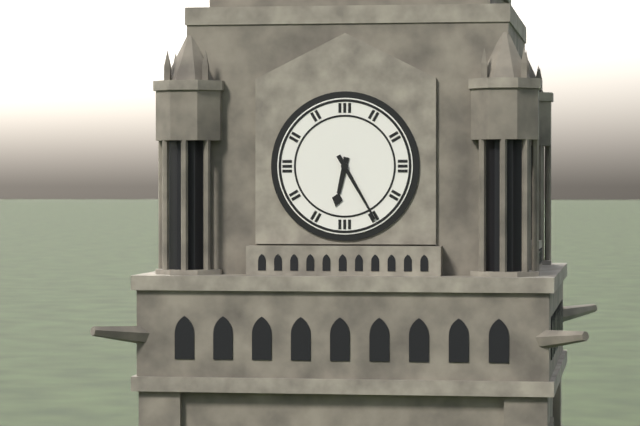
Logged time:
6,25
